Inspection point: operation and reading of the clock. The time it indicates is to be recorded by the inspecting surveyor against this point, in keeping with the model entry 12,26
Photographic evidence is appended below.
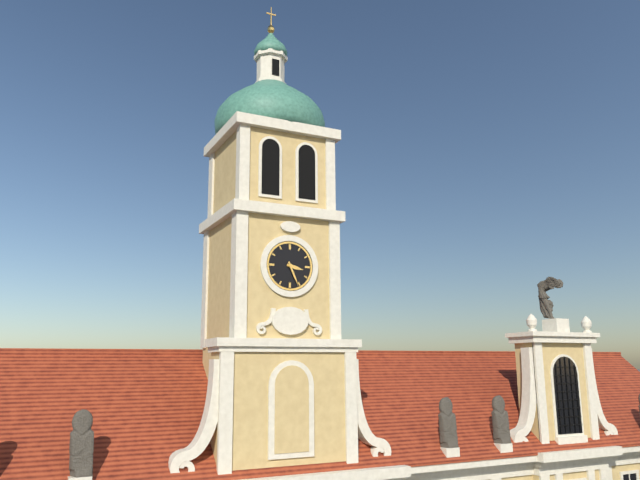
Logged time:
3,26
